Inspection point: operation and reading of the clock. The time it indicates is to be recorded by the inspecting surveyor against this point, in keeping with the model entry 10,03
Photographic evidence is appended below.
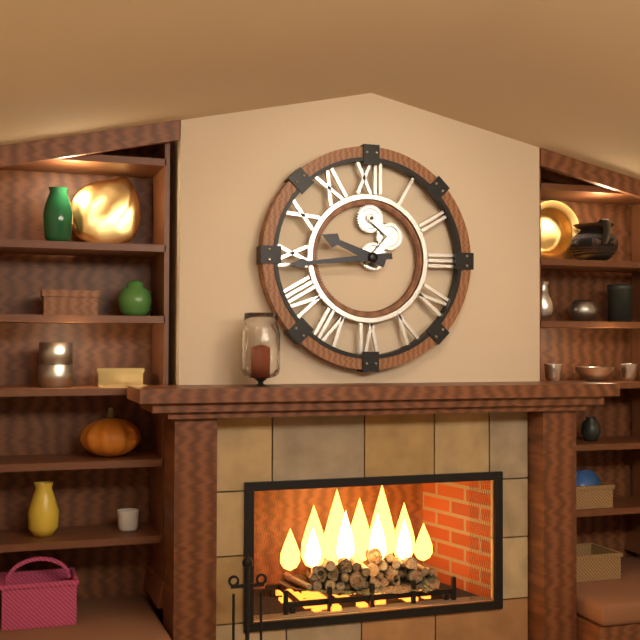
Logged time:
9,44
